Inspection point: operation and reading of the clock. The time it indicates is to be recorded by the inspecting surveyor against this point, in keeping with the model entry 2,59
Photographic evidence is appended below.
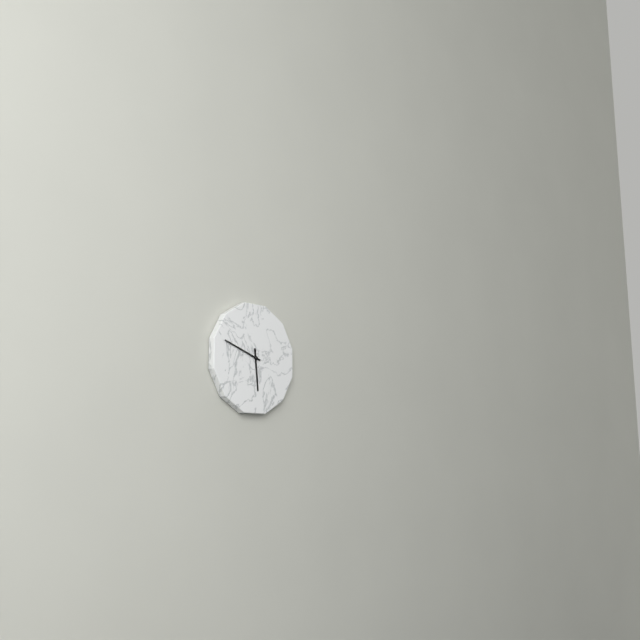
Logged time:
5,48
